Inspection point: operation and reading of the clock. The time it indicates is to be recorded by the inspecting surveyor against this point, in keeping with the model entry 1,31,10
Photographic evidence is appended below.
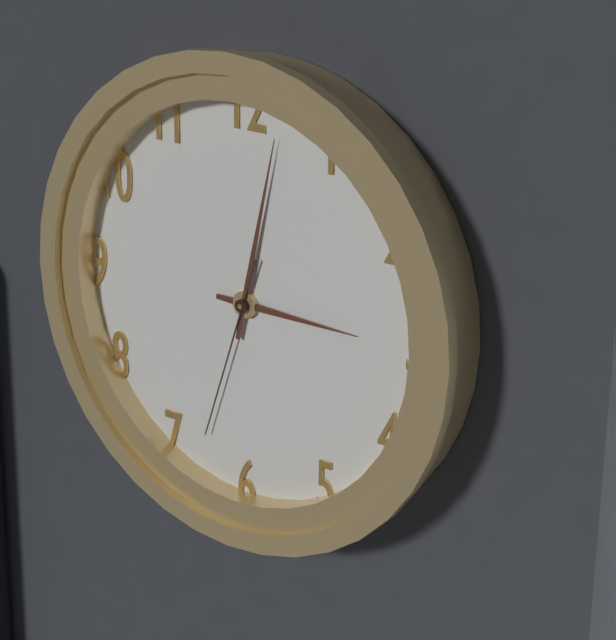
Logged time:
3,02,33
